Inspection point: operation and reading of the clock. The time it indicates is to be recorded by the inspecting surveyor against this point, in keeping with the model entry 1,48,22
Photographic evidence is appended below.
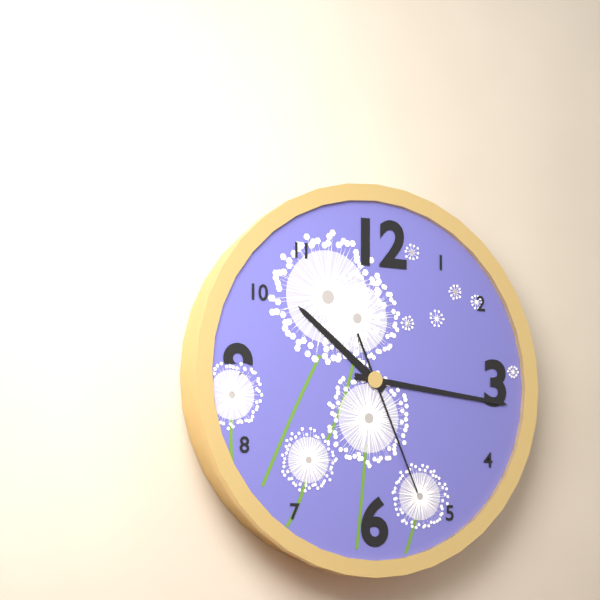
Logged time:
10,16,26
